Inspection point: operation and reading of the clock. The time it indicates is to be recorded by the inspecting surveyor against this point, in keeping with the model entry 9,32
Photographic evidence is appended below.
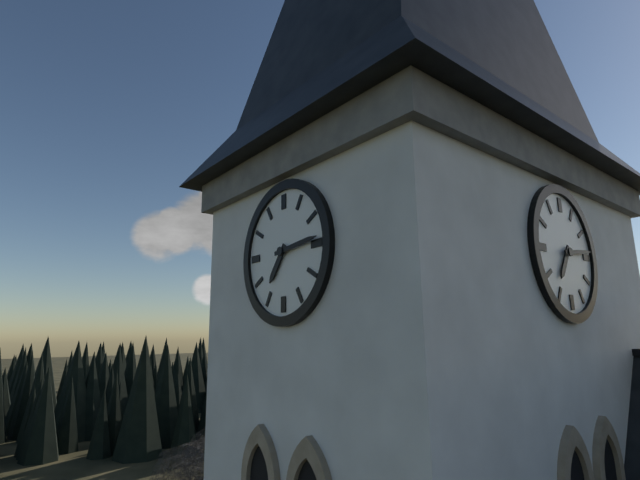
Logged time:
7,14
